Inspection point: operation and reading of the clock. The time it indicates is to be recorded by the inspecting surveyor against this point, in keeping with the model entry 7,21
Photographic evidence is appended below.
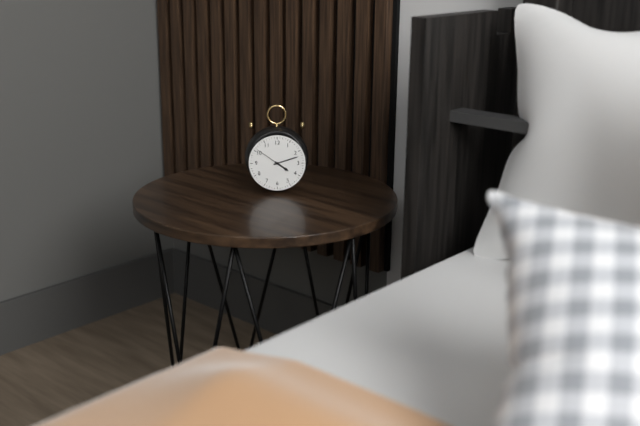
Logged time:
4,12
